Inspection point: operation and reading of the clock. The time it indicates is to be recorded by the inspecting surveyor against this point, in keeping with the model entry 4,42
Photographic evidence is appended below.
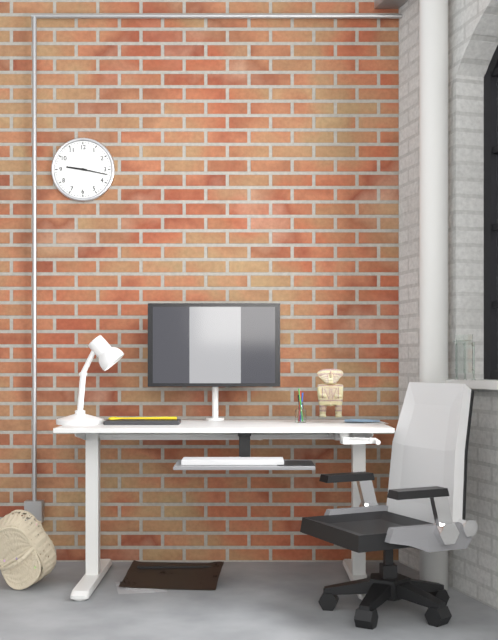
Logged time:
9,17
